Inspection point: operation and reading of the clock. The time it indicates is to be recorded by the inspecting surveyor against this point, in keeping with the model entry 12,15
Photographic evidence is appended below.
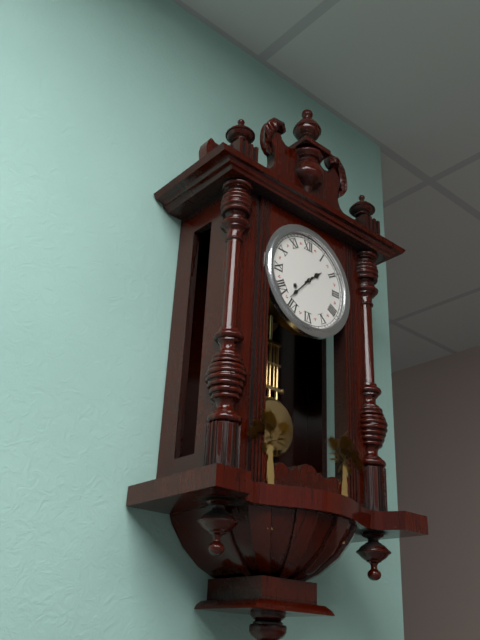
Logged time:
1,37
